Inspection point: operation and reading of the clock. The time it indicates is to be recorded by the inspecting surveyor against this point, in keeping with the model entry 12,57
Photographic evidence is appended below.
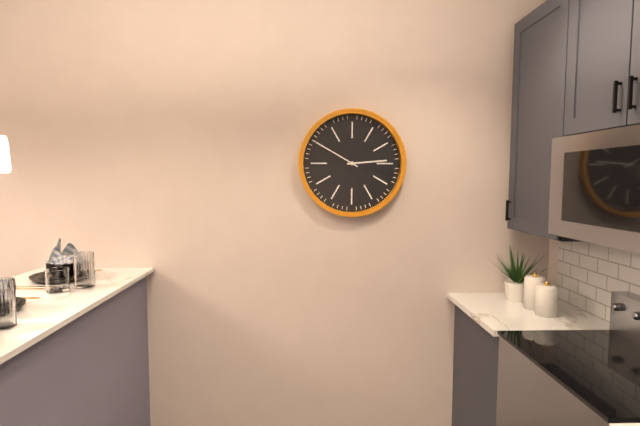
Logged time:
2,50
